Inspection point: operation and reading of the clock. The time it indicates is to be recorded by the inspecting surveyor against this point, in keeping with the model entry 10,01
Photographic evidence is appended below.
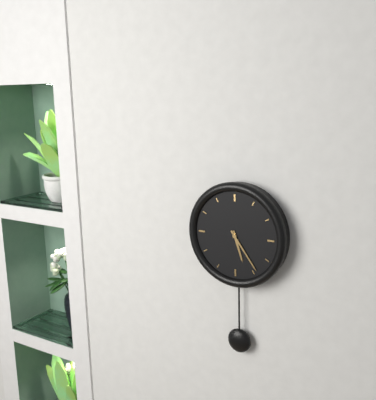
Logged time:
5,24
